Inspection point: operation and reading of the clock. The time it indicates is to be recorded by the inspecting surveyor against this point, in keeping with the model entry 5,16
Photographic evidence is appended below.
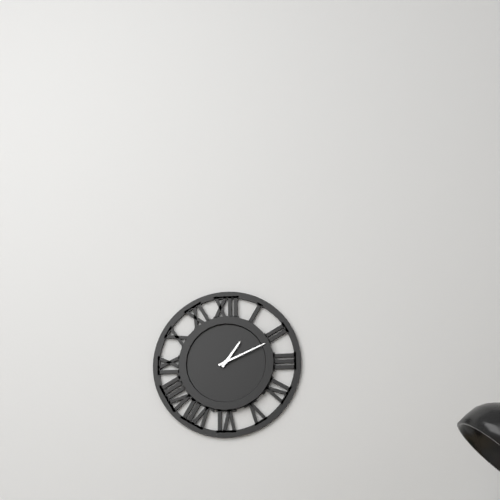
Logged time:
1,11
